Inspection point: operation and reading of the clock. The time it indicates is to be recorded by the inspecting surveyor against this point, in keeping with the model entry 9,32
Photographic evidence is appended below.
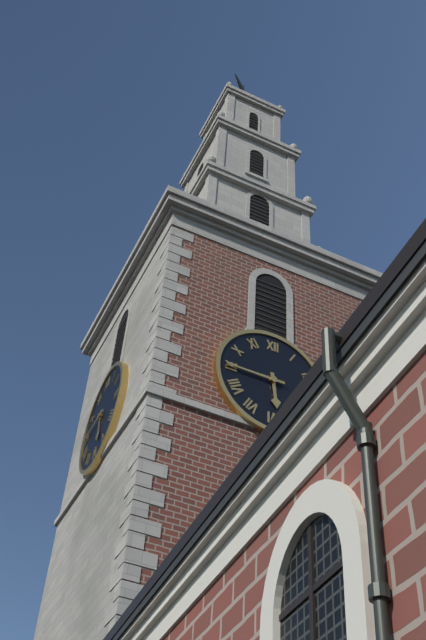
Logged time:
5,45
